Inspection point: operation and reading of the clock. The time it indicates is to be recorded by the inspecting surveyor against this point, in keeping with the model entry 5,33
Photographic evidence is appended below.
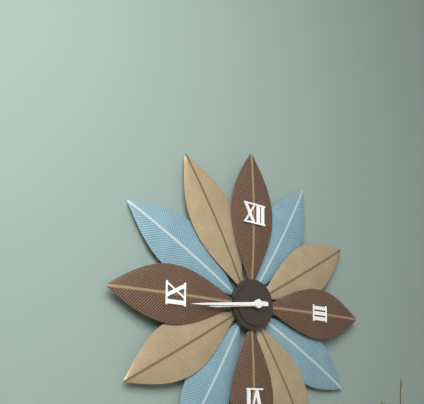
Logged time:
8,44
